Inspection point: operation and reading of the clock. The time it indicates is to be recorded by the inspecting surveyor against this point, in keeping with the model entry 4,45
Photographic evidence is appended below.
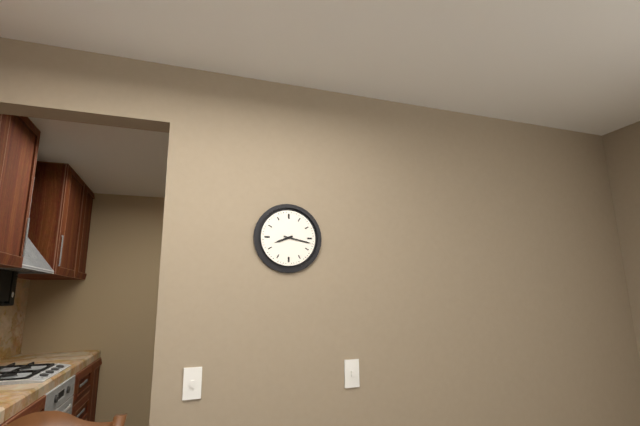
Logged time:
8,17
